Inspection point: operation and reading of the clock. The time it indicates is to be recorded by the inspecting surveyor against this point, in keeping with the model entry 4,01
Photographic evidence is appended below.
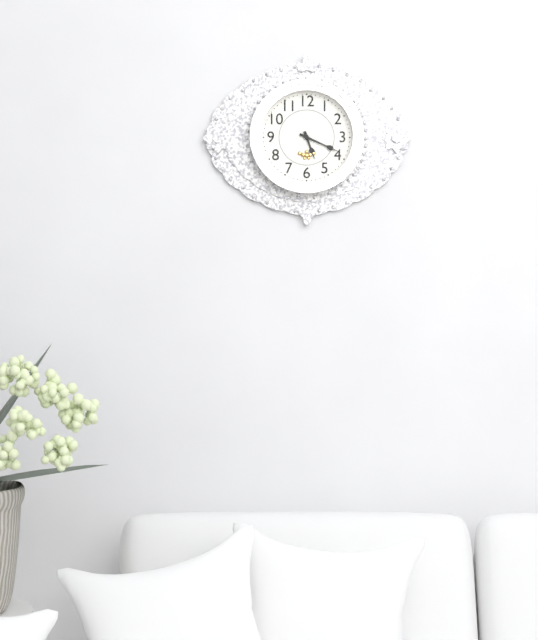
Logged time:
5,19
